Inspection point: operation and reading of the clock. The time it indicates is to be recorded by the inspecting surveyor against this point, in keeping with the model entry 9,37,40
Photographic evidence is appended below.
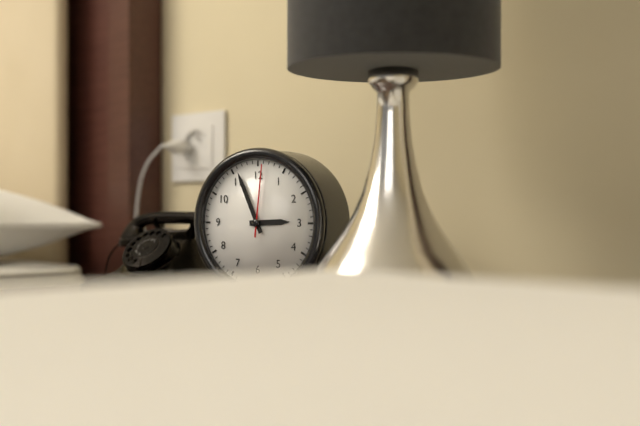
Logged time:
2,56,01
